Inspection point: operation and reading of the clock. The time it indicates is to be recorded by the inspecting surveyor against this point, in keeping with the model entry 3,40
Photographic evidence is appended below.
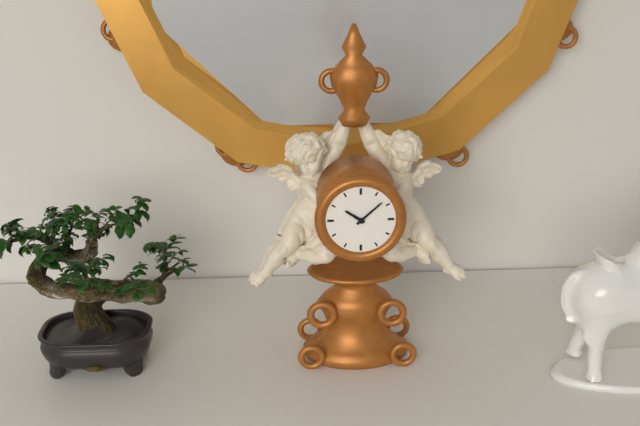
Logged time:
10,08
